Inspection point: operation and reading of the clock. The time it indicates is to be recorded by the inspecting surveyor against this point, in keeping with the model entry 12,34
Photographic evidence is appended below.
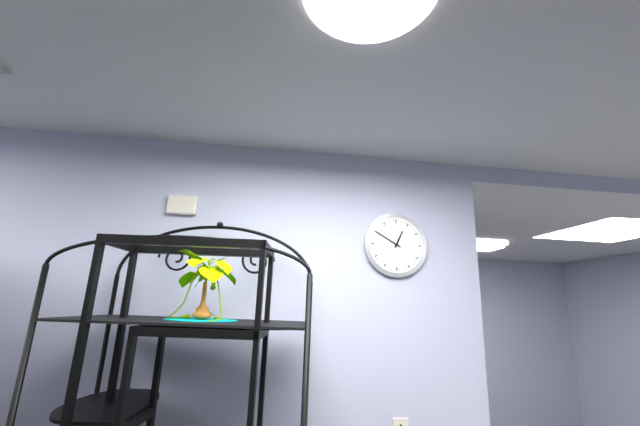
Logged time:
12,50
